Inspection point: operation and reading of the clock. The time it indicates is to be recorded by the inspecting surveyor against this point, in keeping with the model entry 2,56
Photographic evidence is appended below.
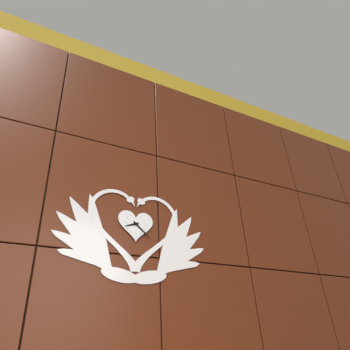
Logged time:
8,22
